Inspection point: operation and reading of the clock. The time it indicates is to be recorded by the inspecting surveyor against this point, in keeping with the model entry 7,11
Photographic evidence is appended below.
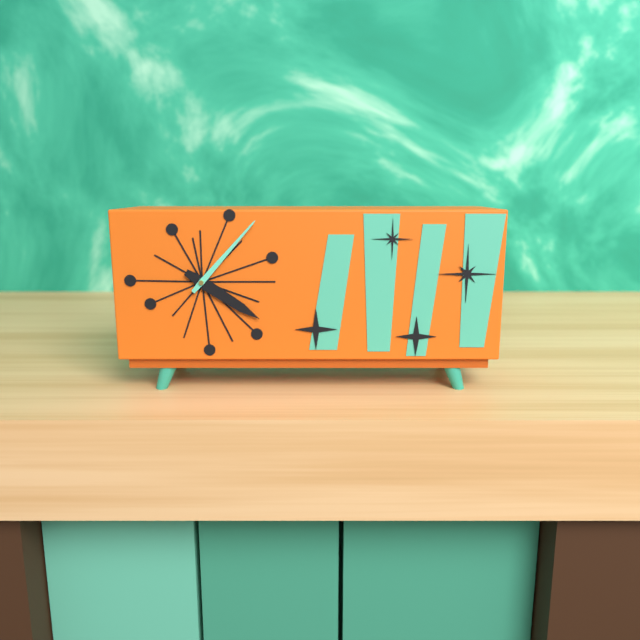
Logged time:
4,07
